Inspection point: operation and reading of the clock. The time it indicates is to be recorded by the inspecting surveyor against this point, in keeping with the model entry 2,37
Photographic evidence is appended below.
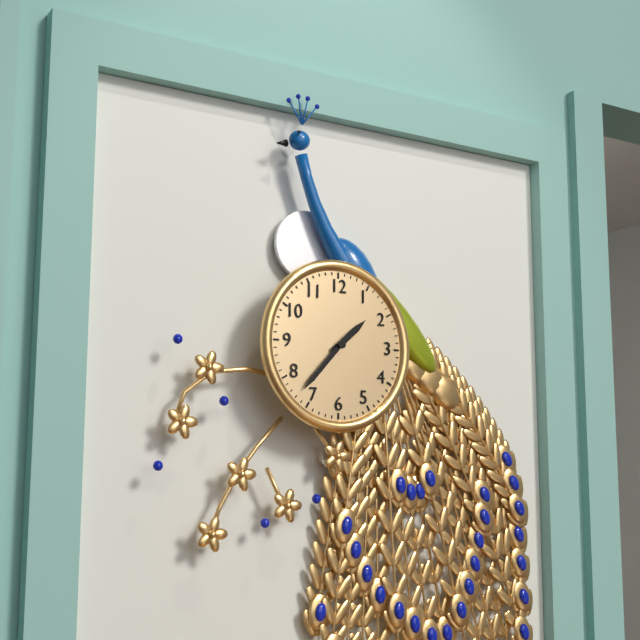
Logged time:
1,37
